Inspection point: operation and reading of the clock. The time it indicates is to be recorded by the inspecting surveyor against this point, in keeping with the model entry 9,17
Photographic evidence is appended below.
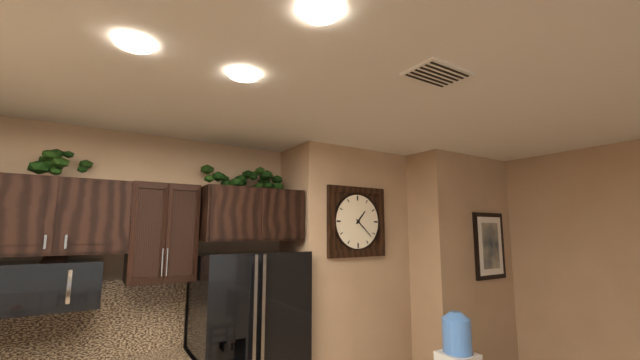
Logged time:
1,22
